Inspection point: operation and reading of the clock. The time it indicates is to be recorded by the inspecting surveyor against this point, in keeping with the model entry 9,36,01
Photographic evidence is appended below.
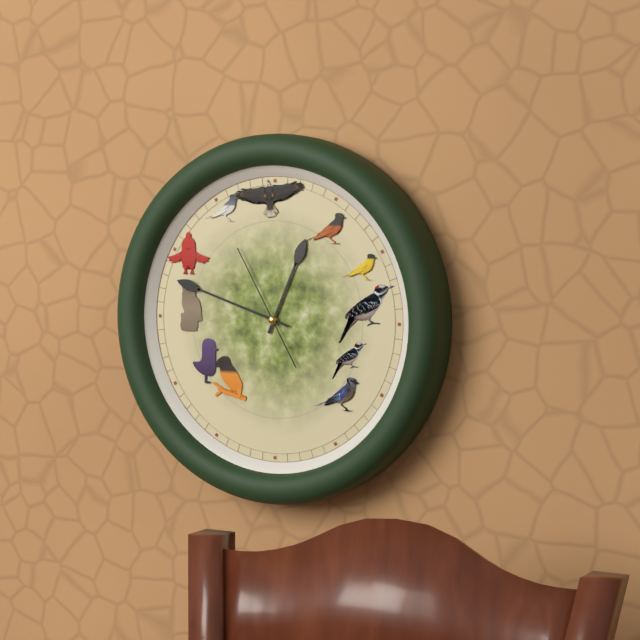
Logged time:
12,48,55
